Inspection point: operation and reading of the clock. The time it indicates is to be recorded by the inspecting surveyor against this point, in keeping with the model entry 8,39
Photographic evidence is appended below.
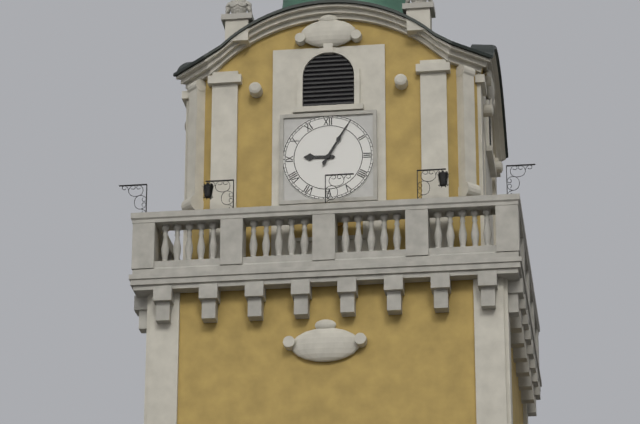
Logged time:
9,05
